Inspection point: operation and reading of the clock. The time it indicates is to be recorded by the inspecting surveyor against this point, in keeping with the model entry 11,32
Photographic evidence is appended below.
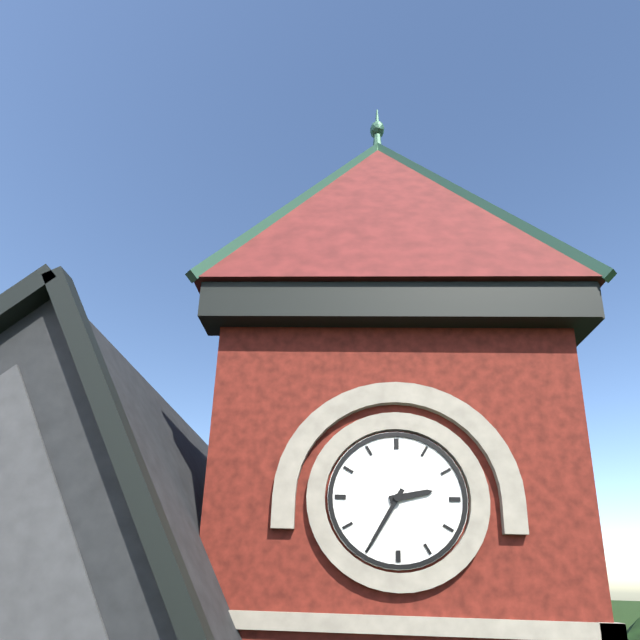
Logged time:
2,35
